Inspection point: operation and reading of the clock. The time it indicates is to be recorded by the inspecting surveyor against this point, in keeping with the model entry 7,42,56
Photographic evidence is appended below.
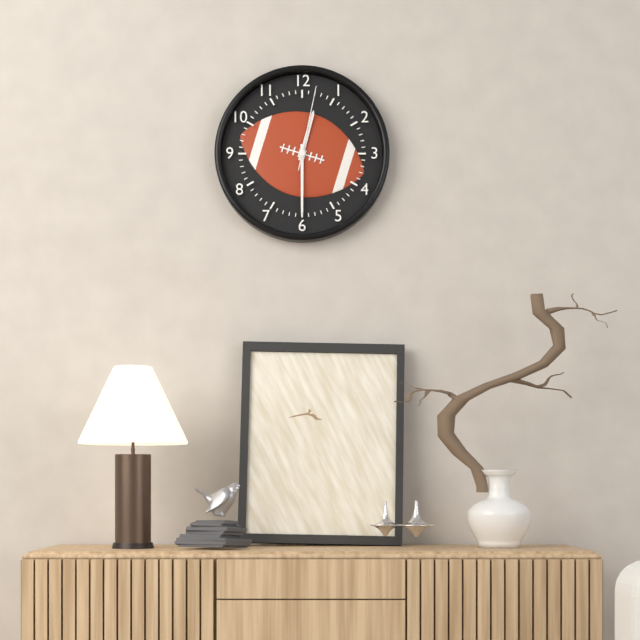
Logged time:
12,30,02
